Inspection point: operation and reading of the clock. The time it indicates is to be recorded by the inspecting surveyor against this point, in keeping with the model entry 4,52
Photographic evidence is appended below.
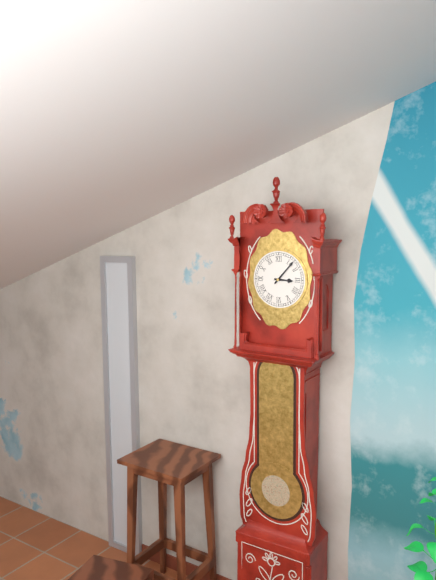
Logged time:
3,07
